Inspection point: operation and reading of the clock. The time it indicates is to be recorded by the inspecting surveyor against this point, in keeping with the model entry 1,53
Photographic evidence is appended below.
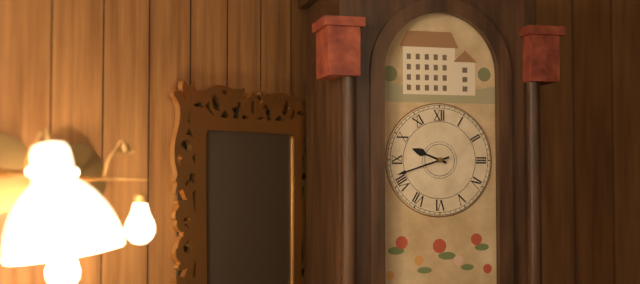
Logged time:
9,42
